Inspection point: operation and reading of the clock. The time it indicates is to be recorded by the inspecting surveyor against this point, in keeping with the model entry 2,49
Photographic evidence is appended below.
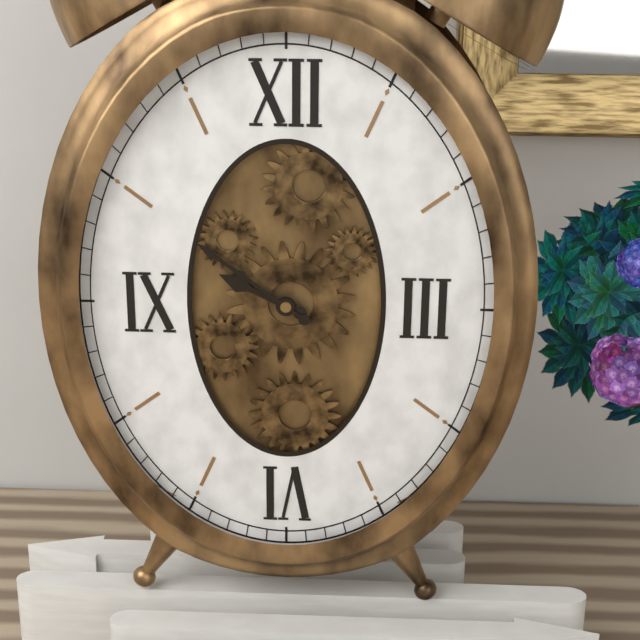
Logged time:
9,51
